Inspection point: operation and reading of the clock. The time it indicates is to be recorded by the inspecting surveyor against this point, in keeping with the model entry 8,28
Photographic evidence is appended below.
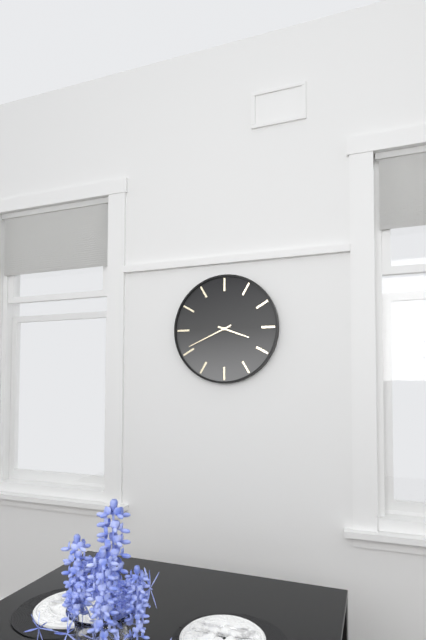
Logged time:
3,41
